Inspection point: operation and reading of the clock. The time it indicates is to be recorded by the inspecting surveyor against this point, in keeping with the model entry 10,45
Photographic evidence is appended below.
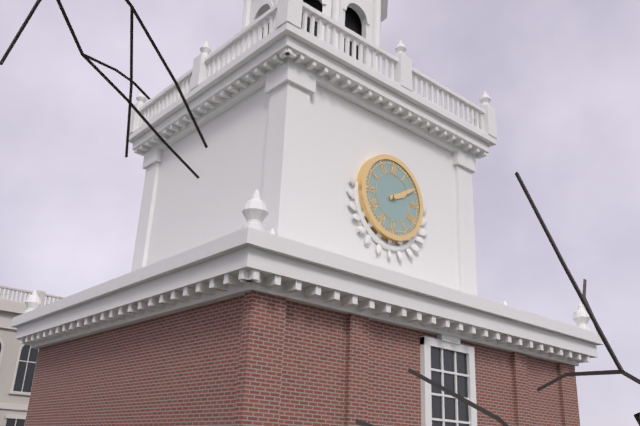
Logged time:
2,10
